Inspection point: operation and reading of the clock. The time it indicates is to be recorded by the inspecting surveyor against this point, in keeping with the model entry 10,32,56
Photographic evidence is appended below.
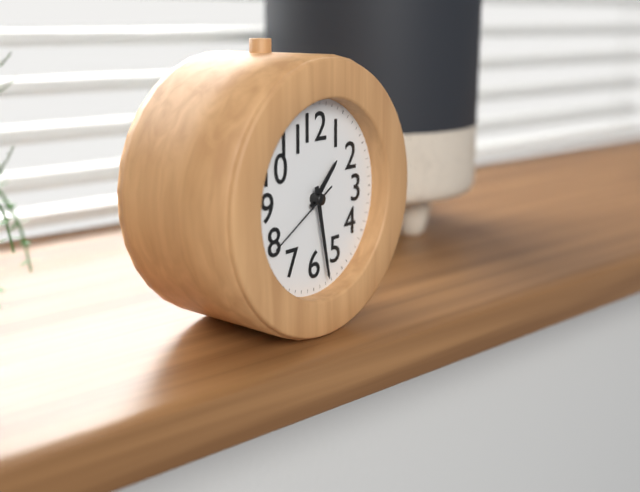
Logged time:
1,28,40
